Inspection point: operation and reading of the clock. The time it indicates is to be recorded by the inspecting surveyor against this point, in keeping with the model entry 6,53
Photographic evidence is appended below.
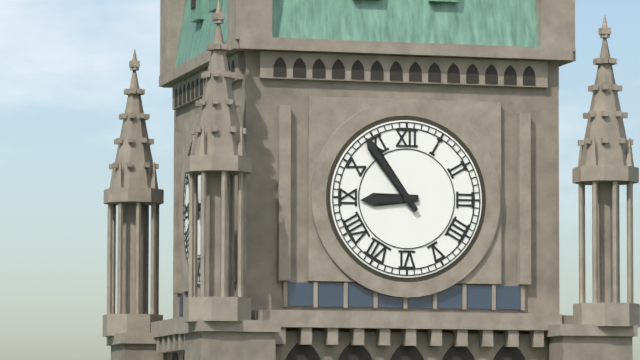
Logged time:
8,54
